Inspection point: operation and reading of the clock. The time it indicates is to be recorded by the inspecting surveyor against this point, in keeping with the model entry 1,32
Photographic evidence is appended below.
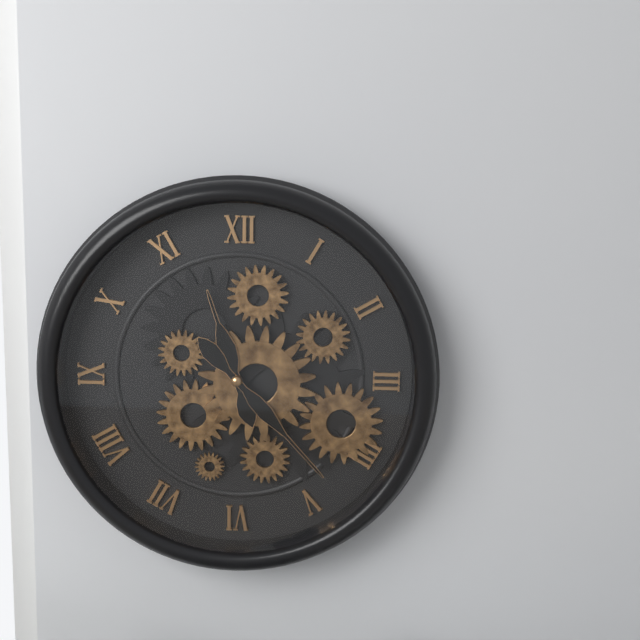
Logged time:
11,23
